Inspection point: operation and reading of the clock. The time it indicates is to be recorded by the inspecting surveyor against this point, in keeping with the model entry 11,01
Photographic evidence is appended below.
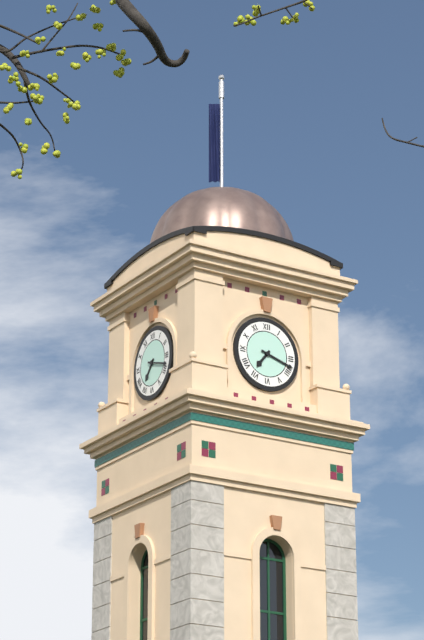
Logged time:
7,18
